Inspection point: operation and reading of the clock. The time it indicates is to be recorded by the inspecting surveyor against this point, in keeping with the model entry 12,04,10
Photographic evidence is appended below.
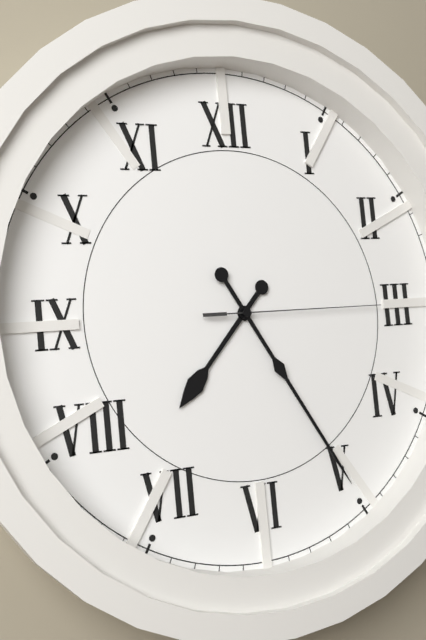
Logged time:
7,25,15
